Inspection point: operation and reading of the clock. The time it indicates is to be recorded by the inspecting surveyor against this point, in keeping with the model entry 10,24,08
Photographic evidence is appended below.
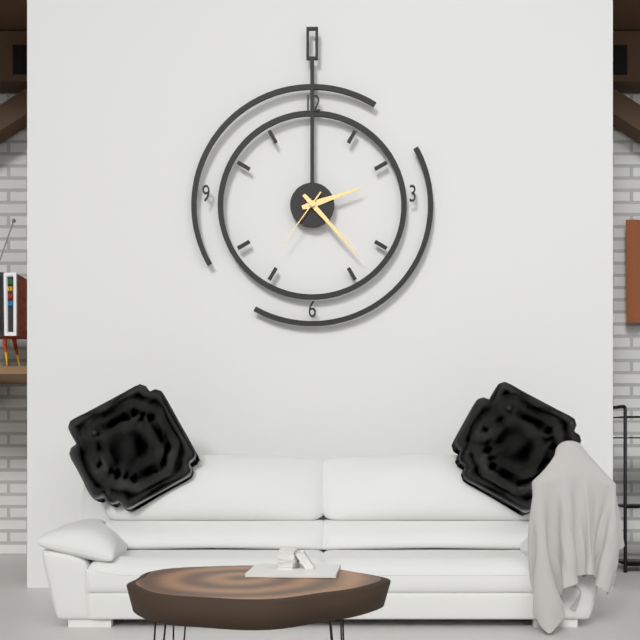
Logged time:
2,23,36
